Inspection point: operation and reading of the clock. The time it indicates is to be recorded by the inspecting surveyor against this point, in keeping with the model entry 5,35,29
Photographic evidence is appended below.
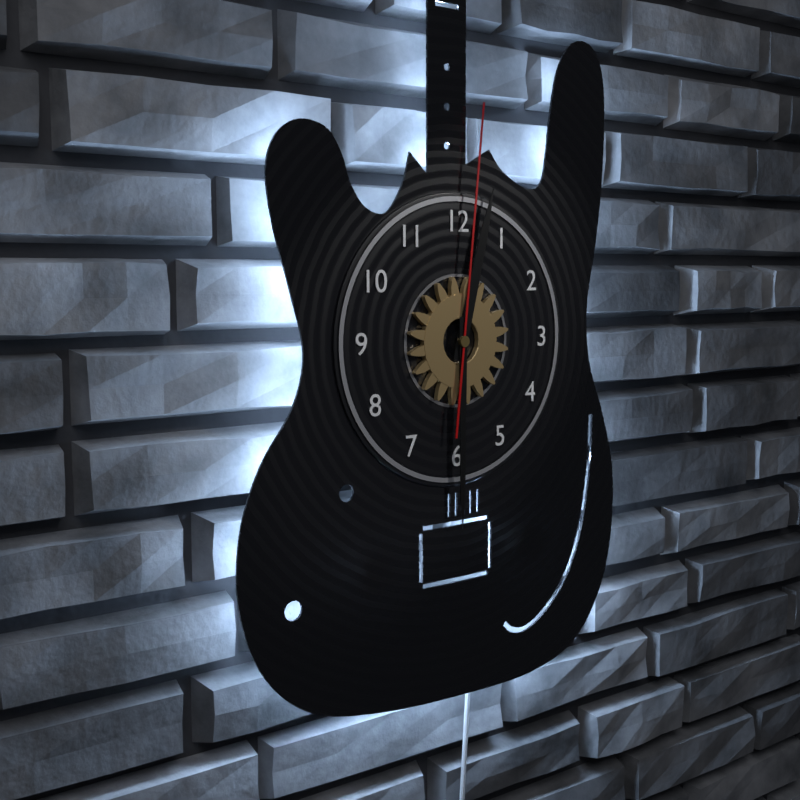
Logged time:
12,30,01
